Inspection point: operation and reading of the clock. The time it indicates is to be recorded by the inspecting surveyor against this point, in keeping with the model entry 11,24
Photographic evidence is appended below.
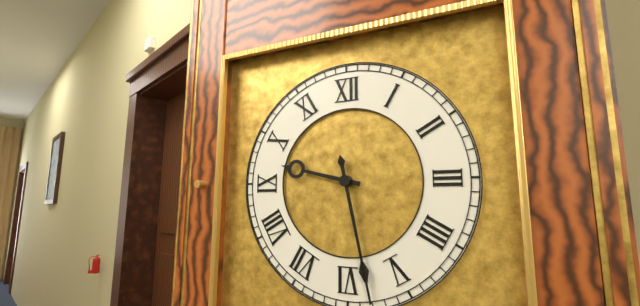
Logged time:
9,28
